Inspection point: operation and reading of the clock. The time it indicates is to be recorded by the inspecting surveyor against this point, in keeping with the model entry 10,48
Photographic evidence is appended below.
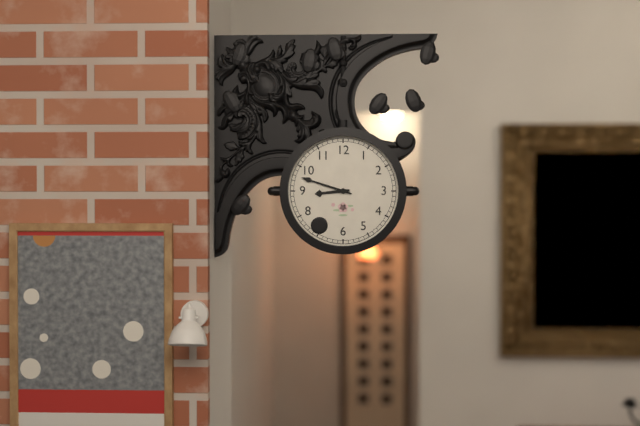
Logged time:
8,48
